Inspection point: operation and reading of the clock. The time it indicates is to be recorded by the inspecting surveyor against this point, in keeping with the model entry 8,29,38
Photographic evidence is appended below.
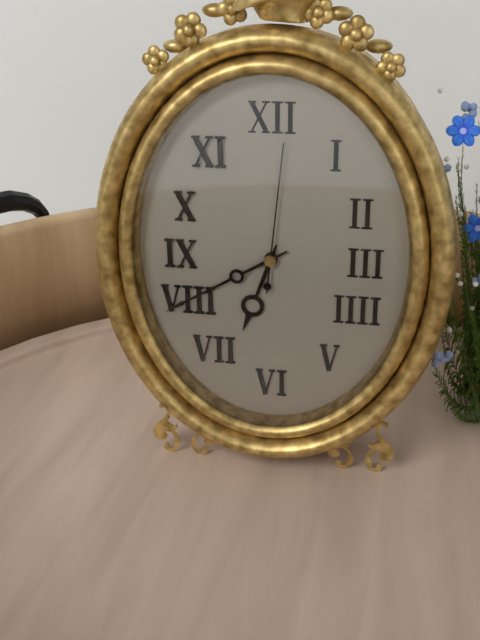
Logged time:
6,40,01
